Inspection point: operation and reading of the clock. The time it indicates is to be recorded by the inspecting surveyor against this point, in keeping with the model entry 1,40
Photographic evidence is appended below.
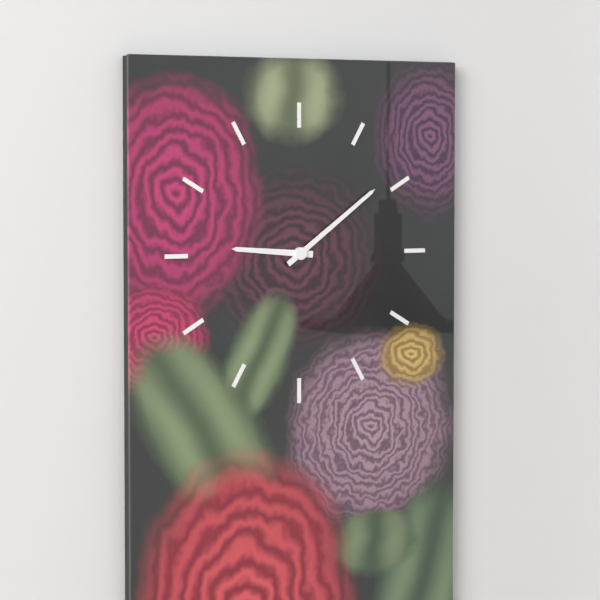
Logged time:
9,09
